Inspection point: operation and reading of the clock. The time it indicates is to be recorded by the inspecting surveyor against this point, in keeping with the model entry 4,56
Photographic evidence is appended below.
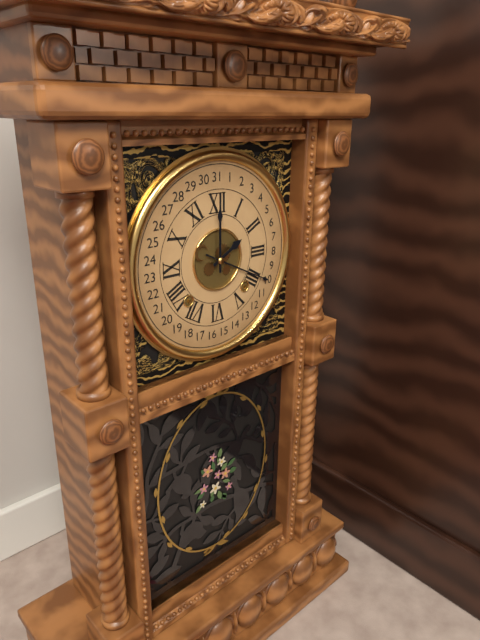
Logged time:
2,00
